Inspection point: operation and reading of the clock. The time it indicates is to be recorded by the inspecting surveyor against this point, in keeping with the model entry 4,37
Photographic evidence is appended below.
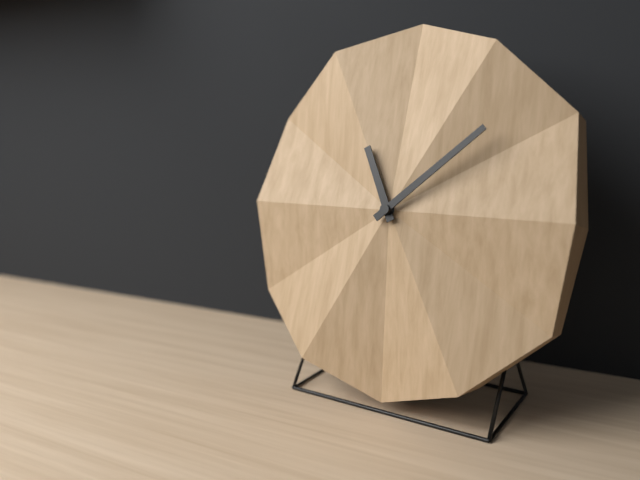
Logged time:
11,08
